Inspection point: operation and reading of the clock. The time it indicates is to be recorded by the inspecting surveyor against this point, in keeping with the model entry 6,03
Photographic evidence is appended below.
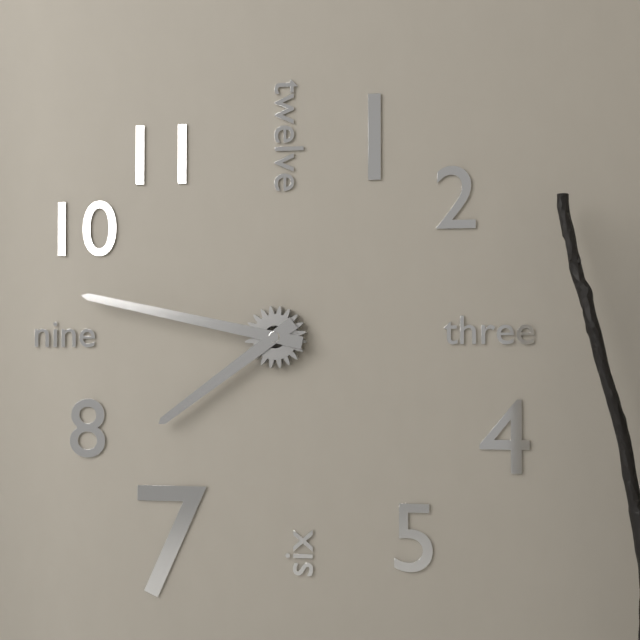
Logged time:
7,47
